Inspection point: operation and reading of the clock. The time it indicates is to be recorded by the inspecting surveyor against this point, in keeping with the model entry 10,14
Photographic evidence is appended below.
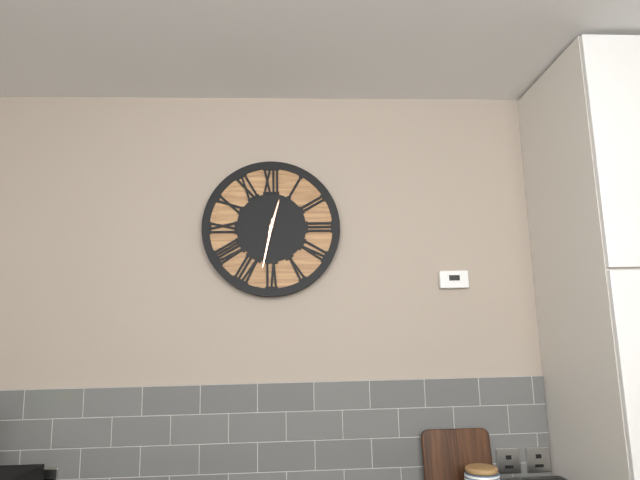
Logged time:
12,32
